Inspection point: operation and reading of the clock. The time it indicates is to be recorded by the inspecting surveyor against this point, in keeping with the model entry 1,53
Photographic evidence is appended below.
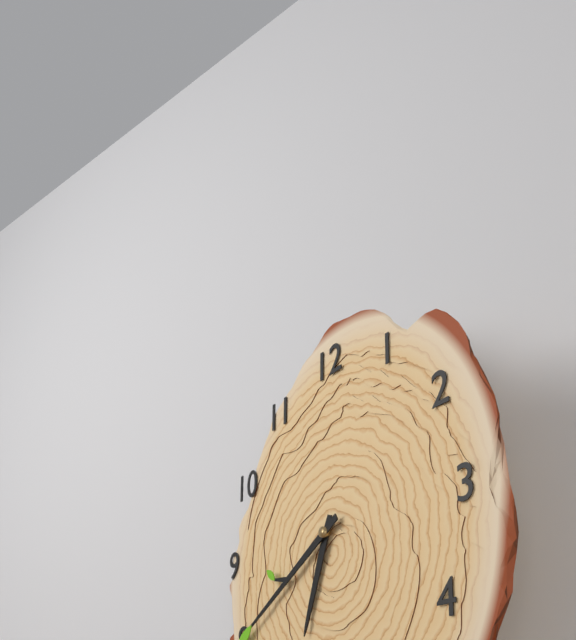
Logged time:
6,40
